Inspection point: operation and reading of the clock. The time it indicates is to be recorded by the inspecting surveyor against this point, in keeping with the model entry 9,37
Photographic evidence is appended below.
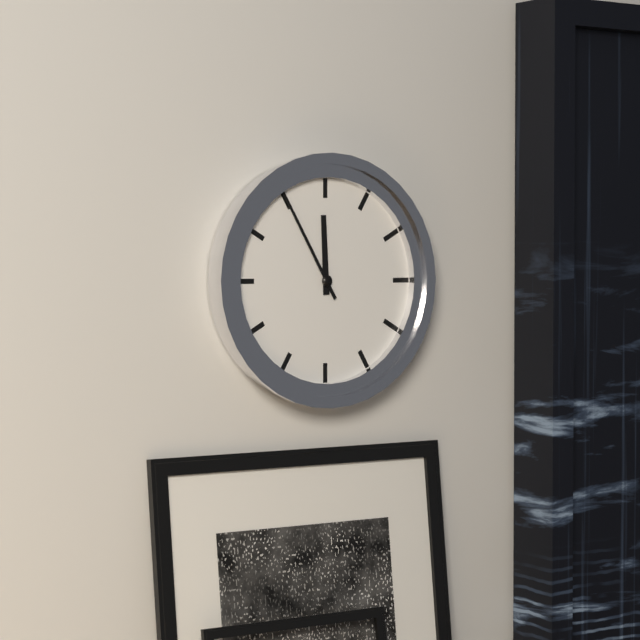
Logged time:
11,55
